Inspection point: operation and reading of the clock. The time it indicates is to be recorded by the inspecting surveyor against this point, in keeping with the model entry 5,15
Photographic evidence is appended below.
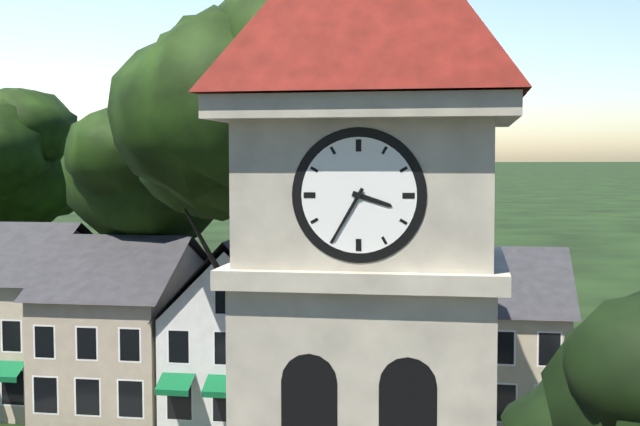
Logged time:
3,35
